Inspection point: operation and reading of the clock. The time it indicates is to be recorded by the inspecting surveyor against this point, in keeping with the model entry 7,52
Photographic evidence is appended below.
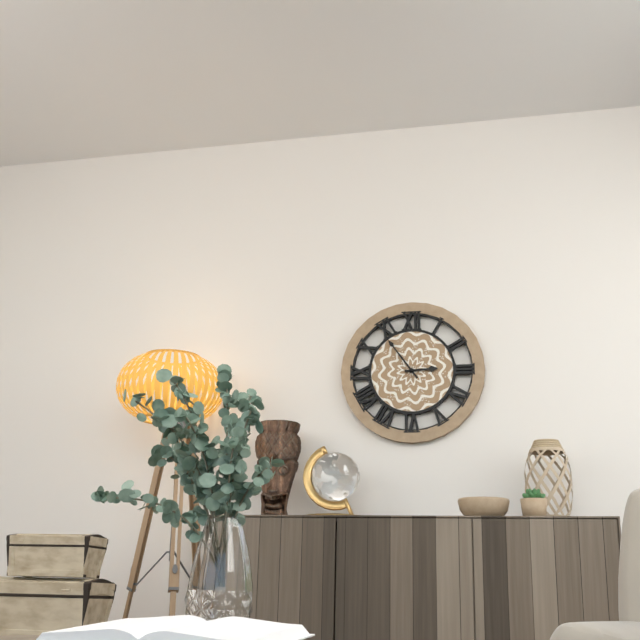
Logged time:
2,54
